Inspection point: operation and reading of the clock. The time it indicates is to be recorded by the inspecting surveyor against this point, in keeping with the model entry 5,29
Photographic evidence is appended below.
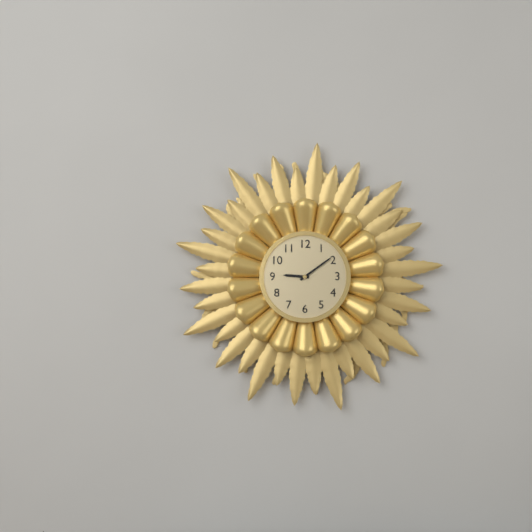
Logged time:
9,09
